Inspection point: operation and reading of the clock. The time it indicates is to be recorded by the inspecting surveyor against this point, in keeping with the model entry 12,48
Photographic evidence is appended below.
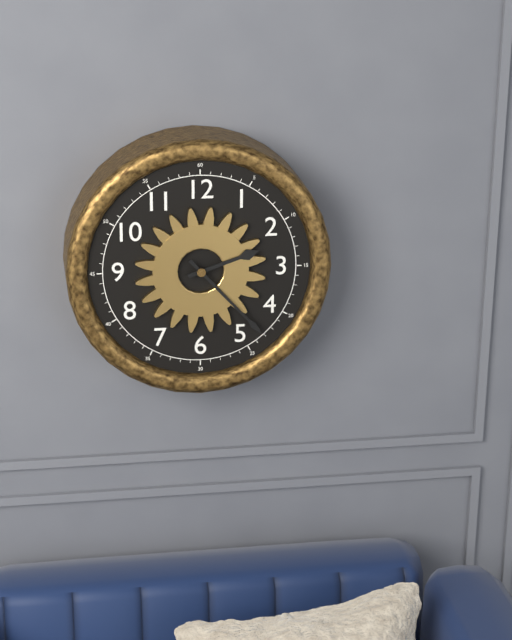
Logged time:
2,23
